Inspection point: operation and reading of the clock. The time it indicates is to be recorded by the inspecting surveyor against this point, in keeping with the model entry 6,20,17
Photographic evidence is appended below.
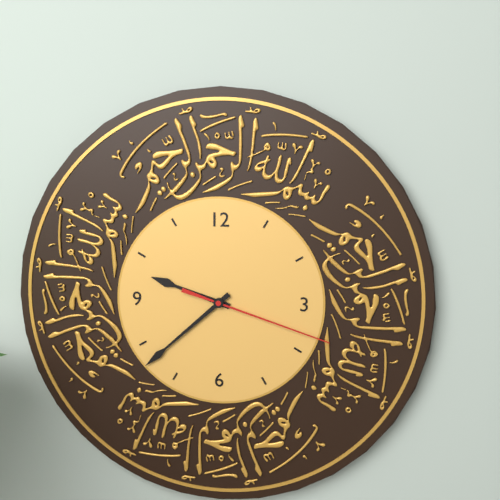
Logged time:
9,38,18
